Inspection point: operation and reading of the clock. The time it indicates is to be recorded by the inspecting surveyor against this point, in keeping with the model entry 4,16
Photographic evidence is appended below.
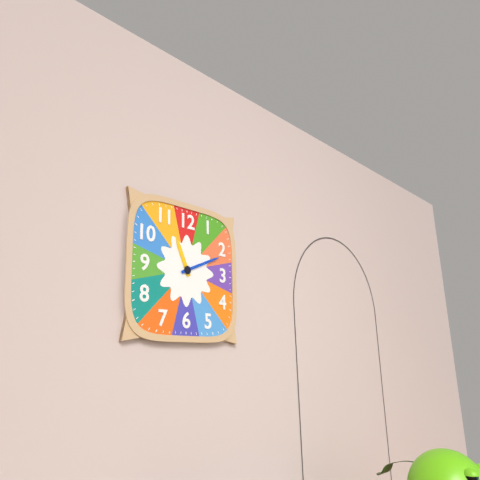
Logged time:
11,11
